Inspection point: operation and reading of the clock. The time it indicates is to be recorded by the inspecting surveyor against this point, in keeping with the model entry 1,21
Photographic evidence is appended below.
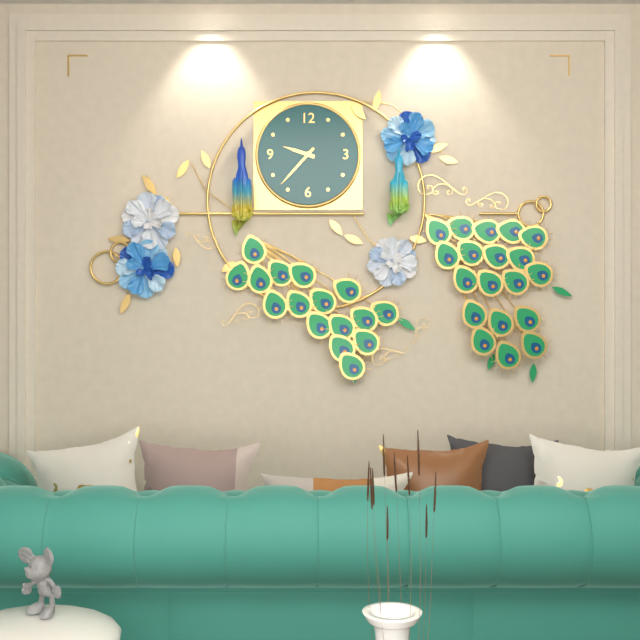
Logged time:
9,37
